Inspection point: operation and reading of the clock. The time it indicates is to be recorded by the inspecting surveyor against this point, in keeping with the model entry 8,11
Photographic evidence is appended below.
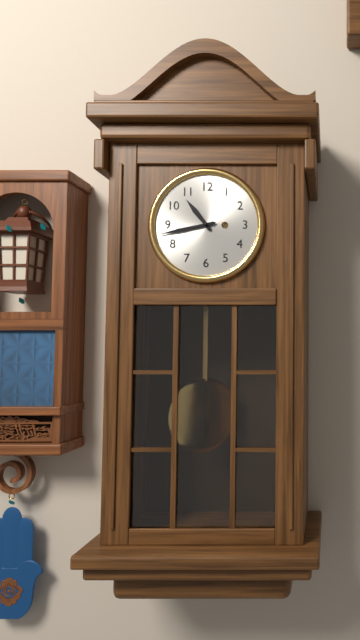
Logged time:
10,43
